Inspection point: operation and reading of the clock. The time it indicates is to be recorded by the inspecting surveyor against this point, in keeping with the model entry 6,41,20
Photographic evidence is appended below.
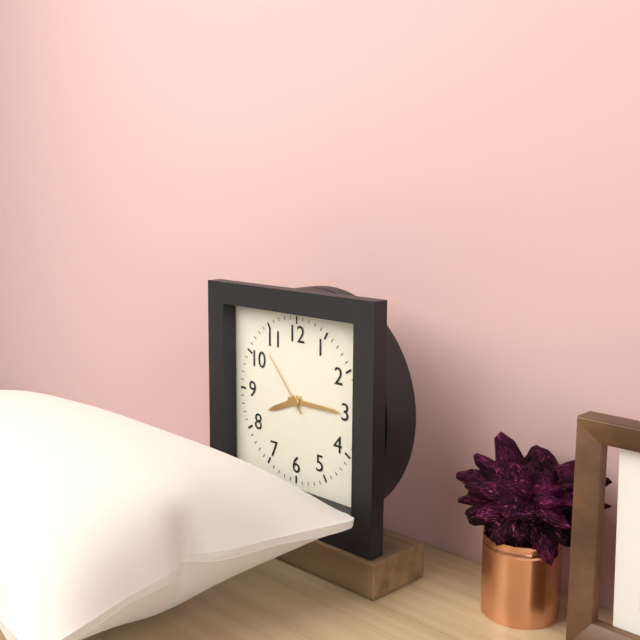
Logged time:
8,15,53
